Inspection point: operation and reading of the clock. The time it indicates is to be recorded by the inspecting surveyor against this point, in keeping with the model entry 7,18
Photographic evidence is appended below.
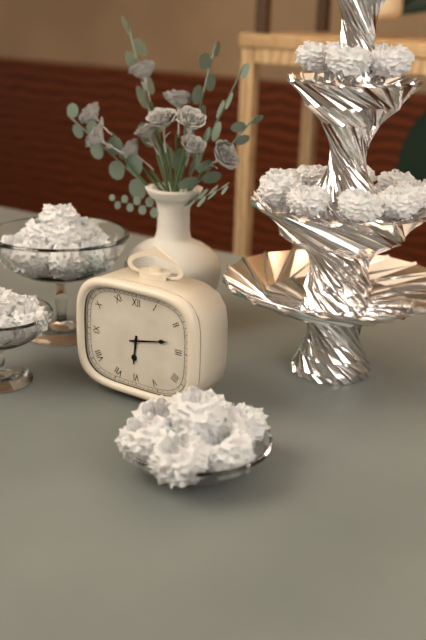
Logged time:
6,13
